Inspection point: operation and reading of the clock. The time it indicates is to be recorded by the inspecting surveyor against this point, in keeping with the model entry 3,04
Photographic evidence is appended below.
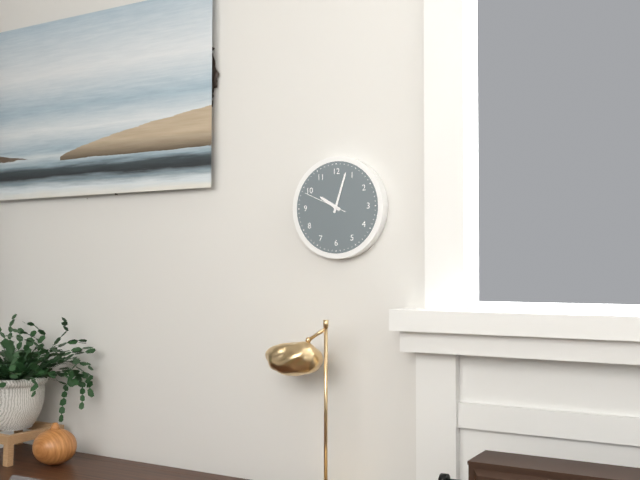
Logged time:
10,03
